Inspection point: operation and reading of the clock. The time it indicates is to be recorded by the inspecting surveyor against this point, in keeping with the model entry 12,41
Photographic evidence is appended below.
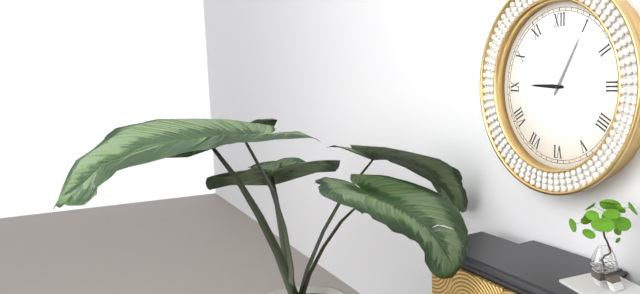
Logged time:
9,05
